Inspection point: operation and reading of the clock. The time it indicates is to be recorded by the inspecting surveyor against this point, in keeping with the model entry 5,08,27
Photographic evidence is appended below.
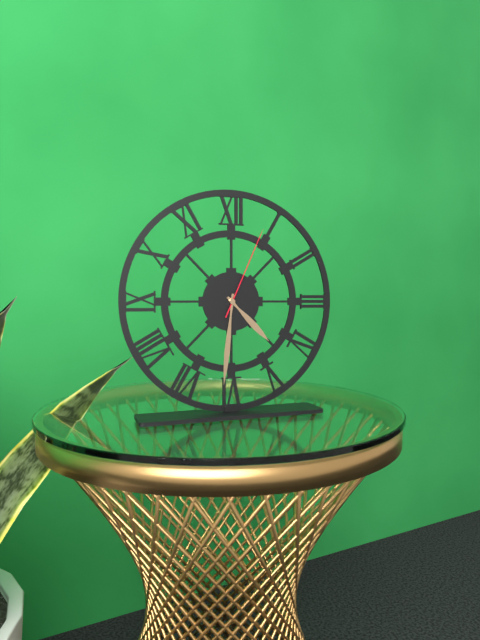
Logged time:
4,31,04
